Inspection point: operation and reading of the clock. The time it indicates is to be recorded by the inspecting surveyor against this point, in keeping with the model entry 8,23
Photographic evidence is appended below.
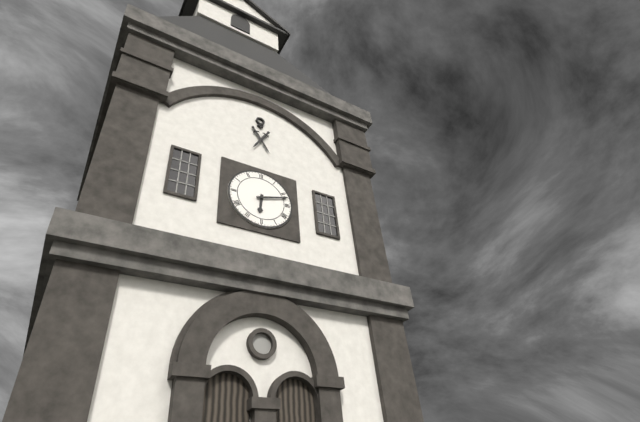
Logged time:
6,12
